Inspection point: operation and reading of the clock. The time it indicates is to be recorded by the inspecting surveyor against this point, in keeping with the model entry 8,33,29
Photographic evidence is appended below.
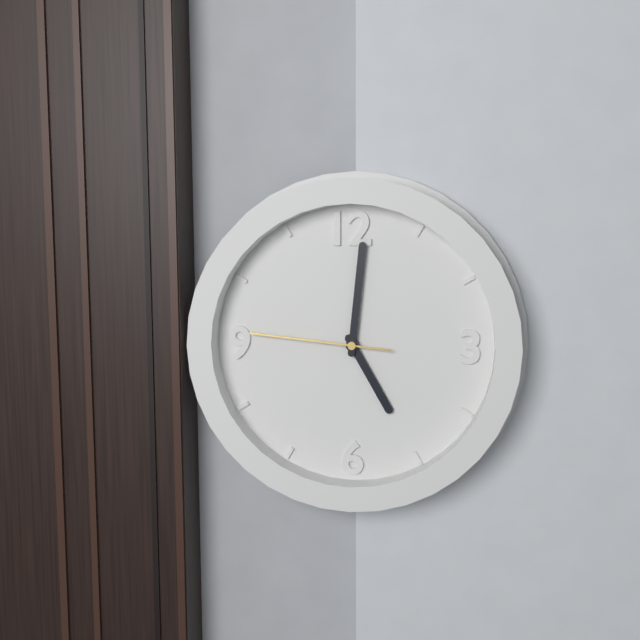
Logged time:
5,01,46
